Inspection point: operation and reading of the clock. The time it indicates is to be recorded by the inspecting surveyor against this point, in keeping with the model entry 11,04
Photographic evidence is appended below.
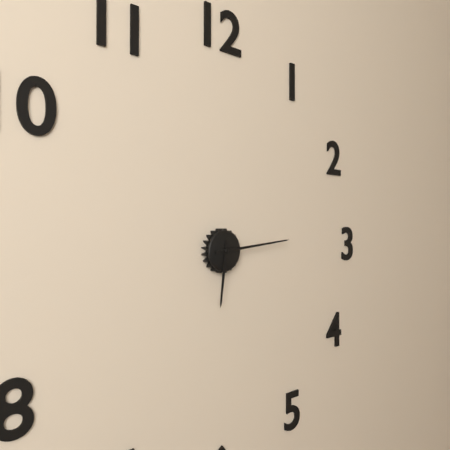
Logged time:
6,14
